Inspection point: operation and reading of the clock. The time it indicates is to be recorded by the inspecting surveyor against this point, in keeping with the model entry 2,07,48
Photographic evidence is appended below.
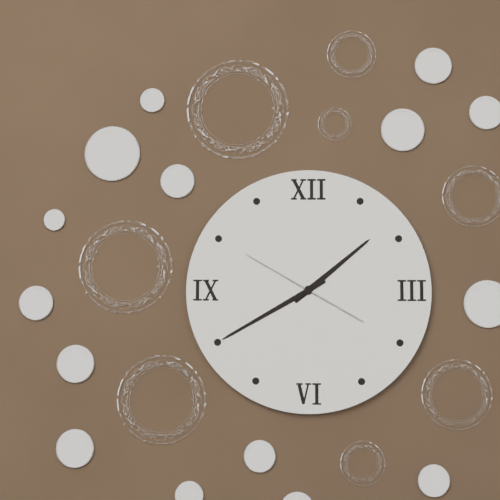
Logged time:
1,40,50
